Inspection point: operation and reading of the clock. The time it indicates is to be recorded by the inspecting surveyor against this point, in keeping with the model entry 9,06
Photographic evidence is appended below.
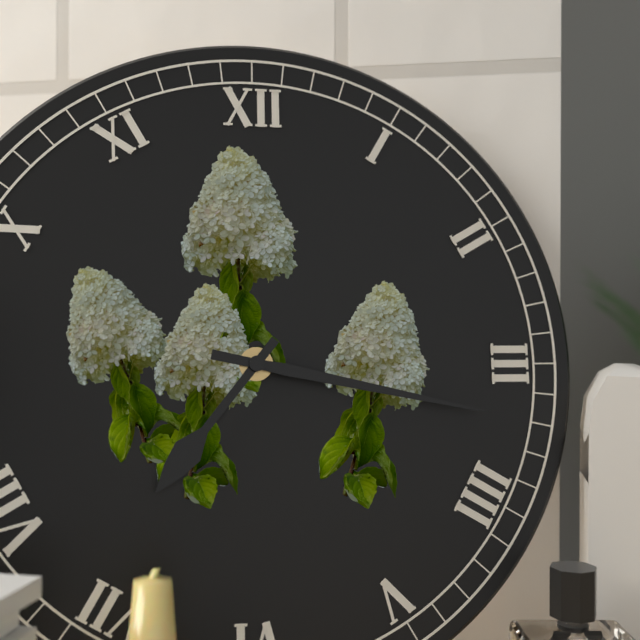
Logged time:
7,17
